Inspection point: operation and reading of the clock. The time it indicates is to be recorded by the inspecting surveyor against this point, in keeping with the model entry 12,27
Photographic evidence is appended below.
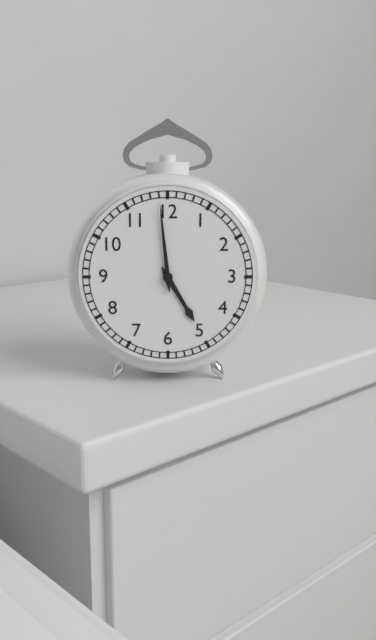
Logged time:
4,59
